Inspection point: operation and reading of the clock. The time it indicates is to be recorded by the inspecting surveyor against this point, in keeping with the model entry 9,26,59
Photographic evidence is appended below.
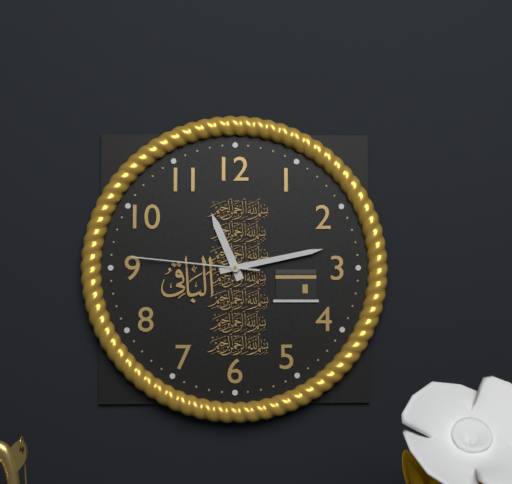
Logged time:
11,13,46
